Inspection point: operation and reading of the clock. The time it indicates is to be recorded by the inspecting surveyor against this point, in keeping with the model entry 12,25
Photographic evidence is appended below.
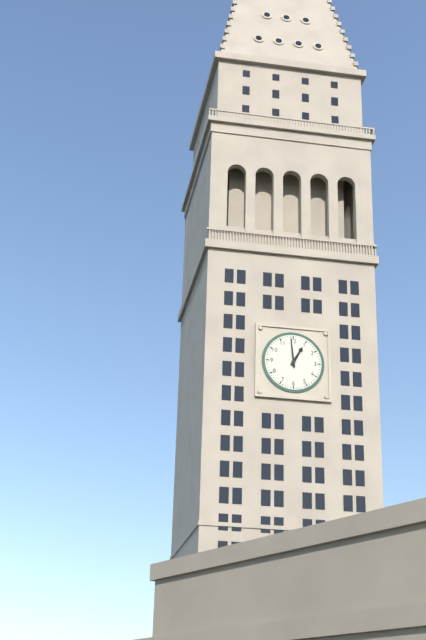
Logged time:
12,59
